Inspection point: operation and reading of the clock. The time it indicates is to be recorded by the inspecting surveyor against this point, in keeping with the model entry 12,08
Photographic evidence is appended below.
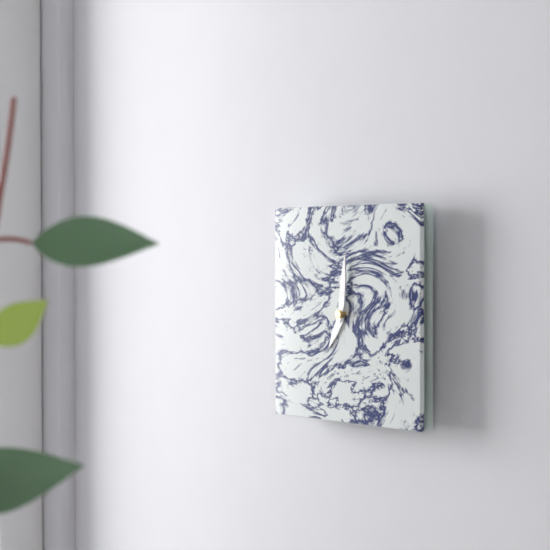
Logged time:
7,01
